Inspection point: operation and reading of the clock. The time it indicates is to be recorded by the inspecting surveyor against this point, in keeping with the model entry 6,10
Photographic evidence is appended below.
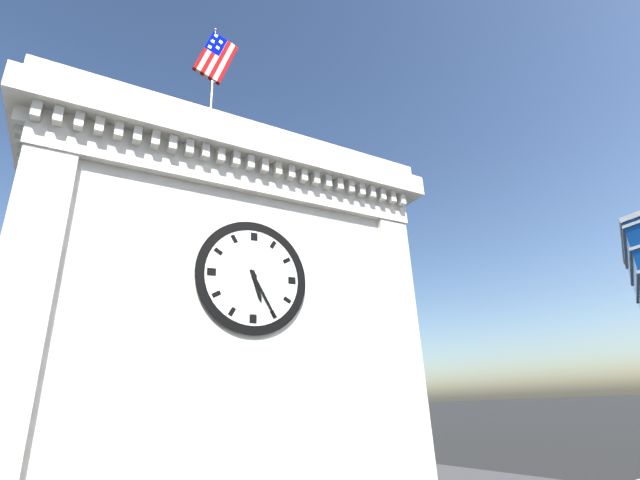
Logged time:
5,25
